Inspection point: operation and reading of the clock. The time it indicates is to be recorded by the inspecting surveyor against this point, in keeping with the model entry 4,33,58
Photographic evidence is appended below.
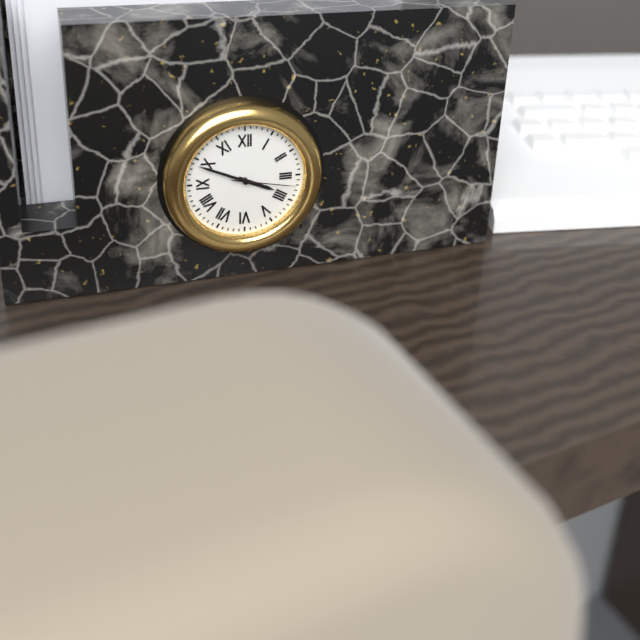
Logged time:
3,49,17
